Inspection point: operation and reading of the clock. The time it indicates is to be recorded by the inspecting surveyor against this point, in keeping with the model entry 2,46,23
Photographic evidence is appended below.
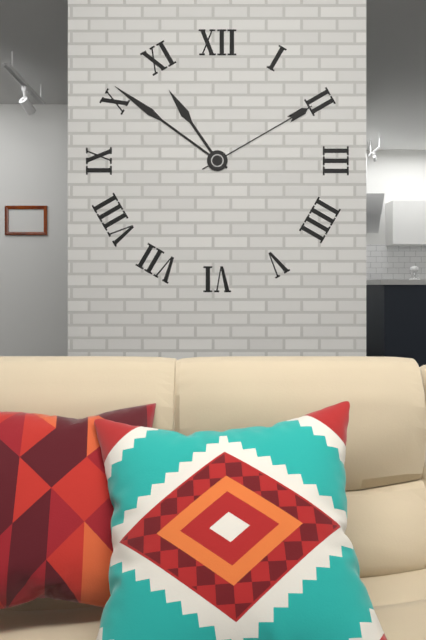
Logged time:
10,51,10
